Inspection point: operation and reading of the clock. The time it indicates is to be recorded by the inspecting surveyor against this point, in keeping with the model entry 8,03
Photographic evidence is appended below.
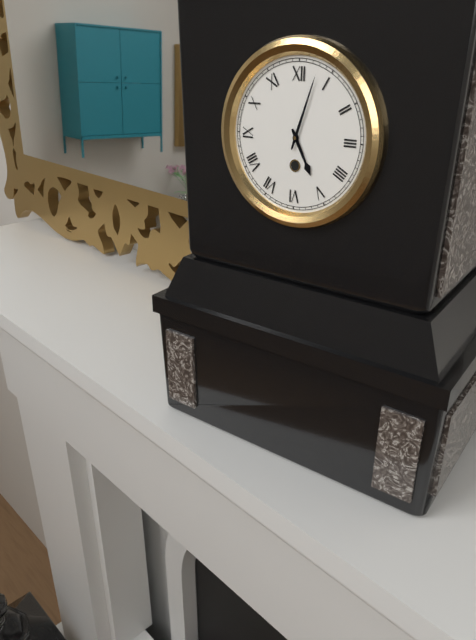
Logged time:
5,03
